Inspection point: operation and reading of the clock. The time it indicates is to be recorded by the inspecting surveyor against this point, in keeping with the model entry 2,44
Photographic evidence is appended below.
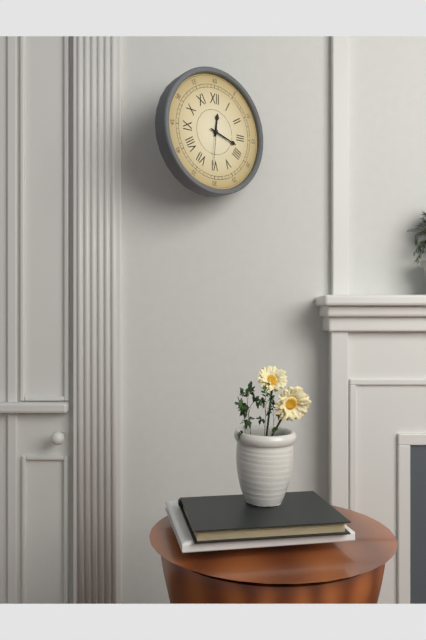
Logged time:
12,18
